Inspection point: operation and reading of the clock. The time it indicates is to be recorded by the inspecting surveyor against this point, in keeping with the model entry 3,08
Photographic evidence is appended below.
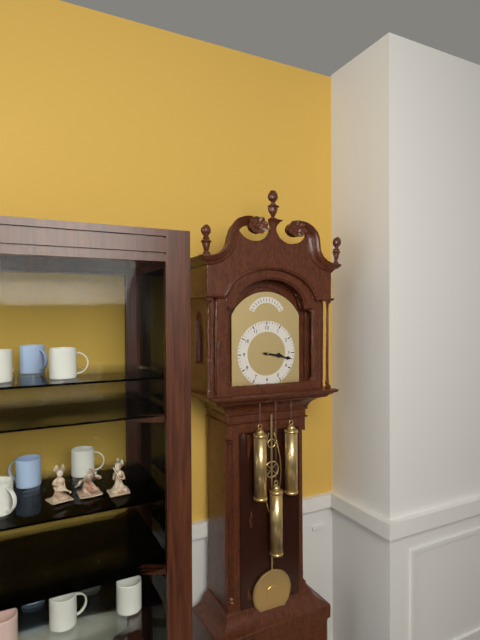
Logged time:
3,17
